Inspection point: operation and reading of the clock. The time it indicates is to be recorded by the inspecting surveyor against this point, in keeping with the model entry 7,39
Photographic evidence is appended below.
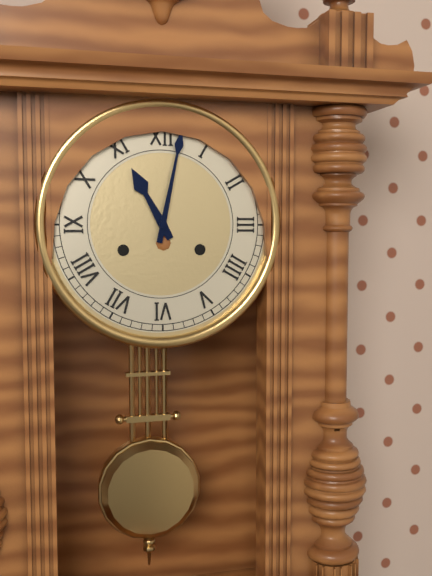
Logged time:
11,02
